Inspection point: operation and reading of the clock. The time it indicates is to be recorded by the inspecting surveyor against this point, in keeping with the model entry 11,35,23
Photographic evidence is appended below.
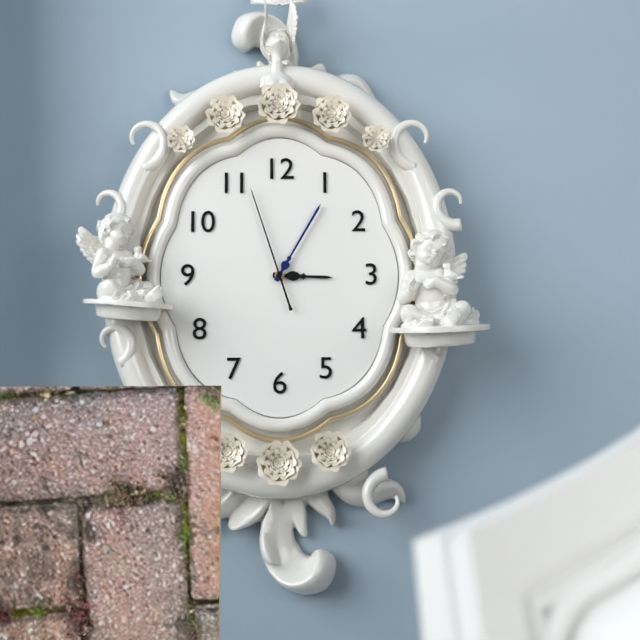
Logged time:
3,05,57
